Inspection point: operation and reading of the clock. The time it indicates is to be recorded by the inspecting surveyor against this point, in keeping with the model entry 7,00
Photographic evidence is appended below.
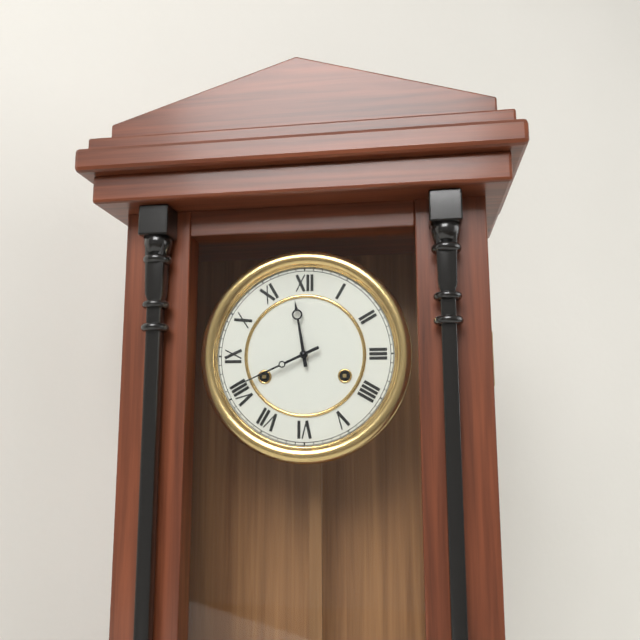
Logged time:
11,41
